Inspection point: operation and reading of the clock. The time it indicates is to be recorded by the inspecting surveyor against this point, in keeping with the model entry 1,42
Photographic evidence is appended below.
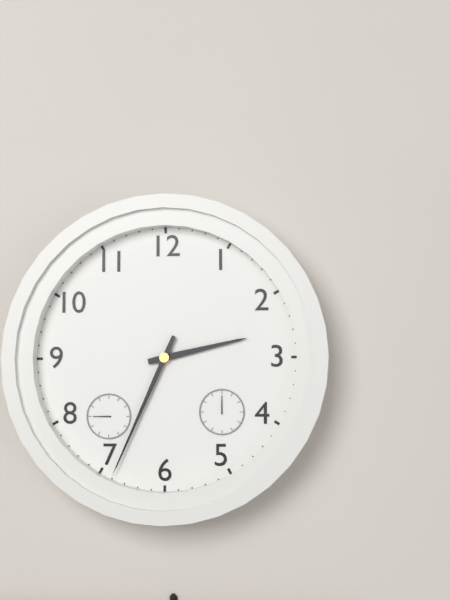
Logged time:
2,34
